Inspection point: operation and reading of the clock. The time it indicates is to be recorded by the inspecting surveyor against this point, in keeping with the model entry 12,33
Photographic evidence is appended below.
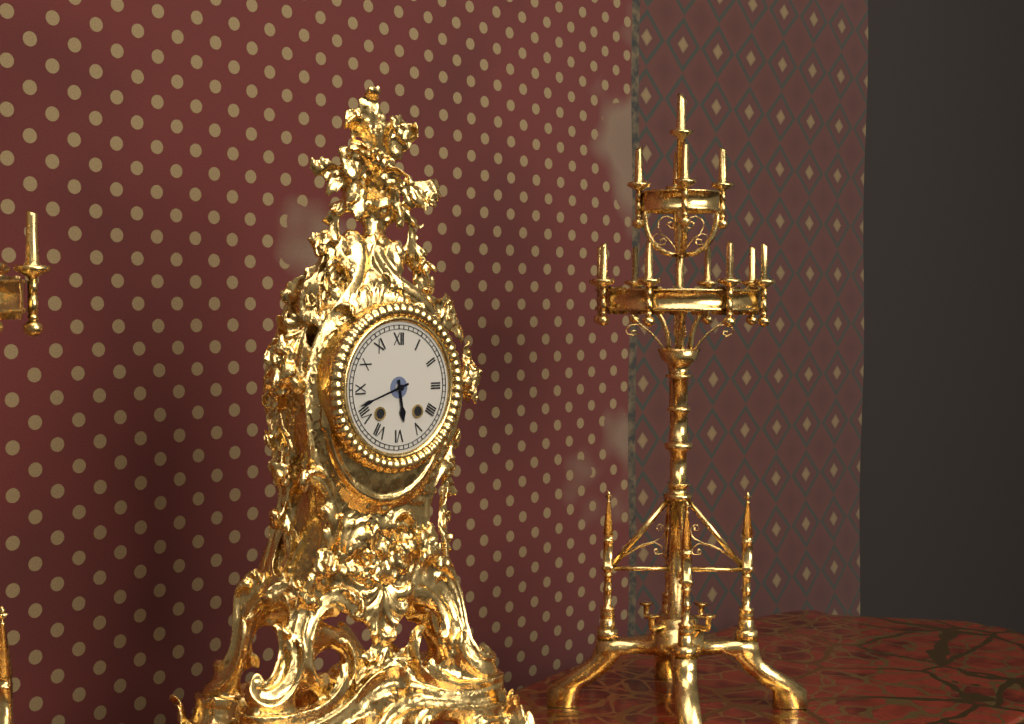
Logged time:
5,42
